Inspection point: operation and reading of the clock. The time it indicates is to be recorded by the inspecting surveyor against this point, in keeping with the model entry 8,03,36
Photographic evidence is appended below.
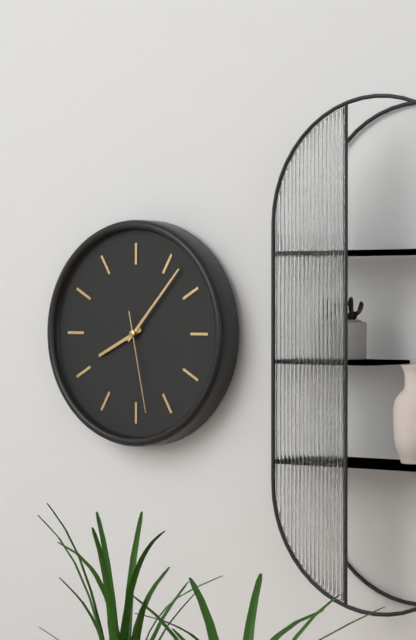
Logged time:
8,07,28
